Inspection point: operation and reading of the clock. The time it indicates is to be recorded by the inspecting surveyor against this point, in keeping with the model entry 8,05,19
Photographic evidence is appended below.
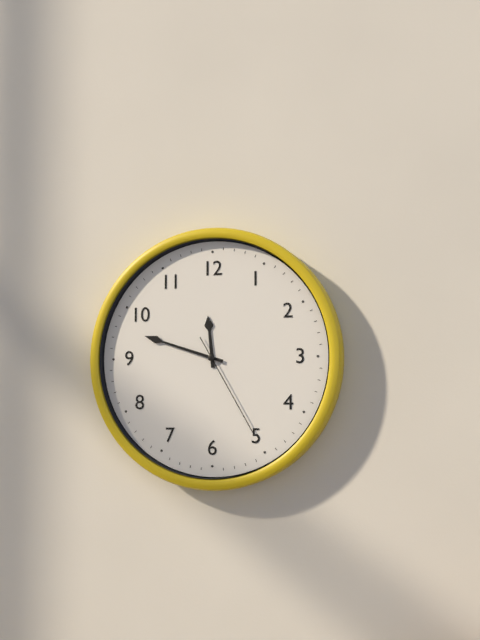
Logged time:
11,48,25
